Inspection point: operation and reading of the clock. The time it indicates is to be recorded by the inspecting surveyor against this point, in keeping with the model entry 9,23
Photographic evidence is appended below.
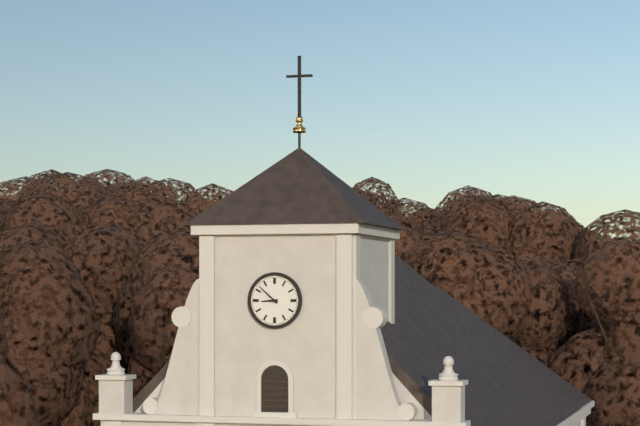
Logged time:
8,52
